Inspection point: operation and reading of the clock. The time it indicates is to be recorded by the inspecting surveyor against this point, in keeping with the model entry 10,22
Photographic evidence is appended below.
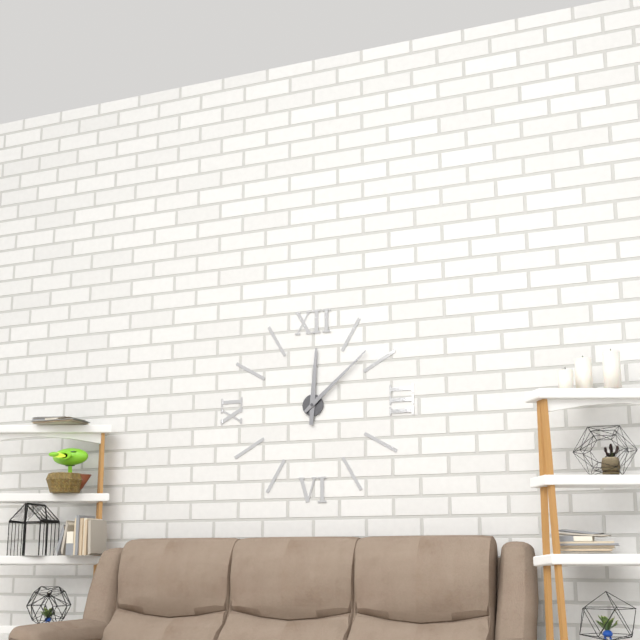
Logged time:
12,08
